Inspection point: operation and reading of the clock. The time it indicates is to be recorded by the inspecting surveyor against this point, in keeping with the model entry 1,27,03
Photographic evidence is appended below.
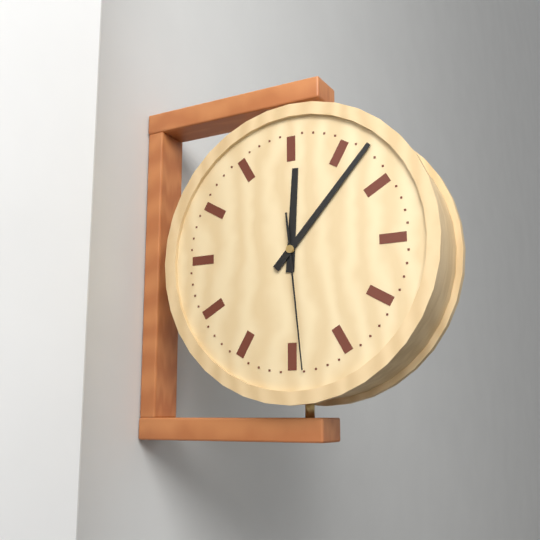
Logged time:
12,07,29
